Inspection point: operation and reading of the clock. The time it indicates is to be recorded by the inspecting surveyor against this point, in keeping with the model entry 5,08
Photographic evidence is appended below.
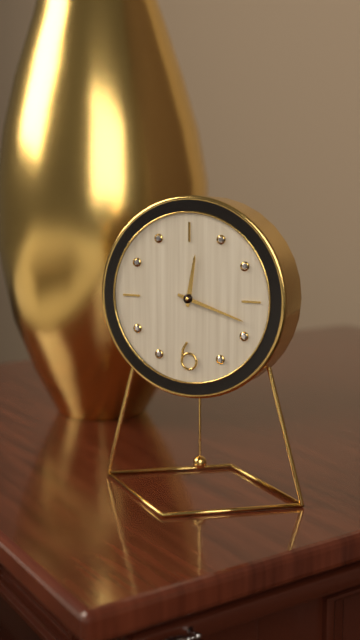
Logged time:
12,18
